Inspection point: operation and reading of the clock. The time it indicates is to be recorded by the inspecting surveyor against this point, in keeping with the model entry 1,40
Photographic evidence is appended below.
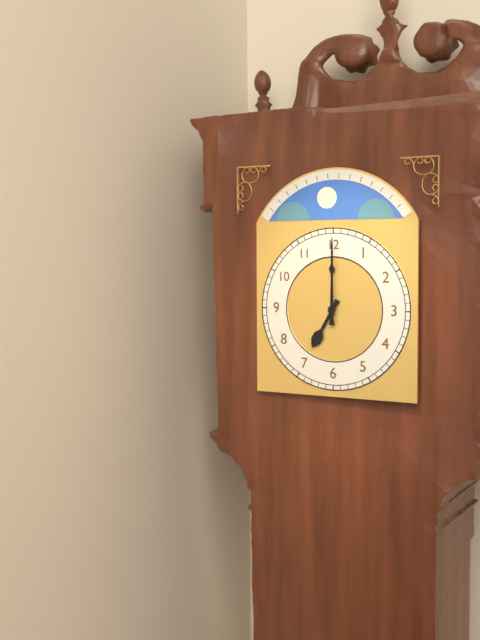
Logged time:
7,00
